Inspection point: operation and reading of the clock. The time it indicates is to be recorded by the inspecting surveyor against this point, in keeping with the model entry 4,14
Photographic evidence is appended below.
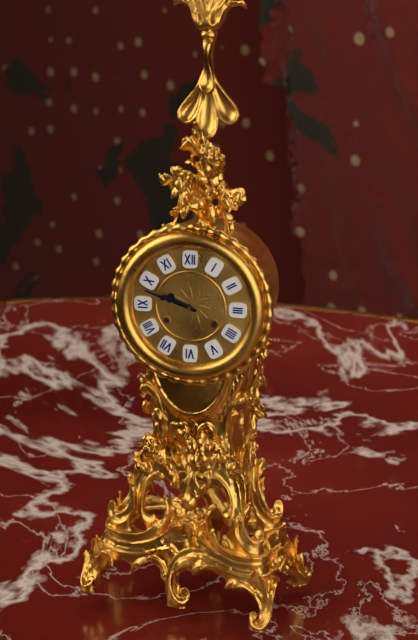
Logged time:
9,48
